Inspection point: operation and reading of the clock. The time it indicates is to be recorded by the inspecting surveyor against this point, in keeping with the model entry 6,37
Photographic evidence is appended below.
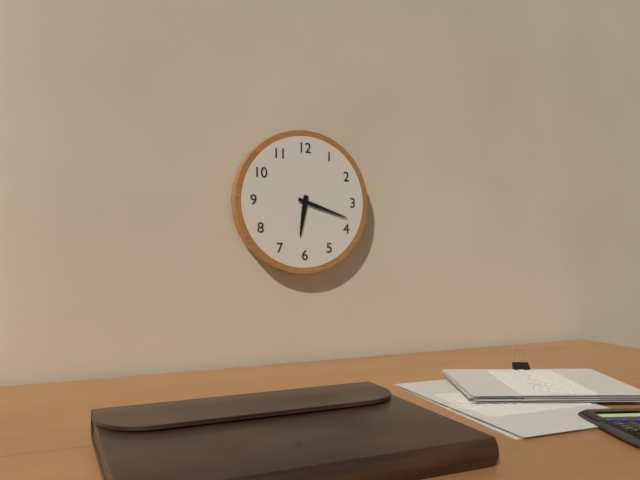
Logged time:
6,18
